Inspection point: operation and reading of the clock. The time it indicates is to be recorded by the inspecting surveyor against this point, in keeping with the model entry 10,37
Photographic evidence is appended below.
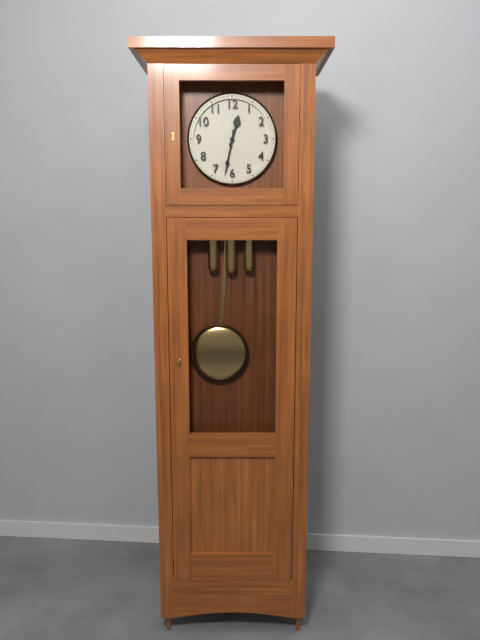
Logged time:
12,32
